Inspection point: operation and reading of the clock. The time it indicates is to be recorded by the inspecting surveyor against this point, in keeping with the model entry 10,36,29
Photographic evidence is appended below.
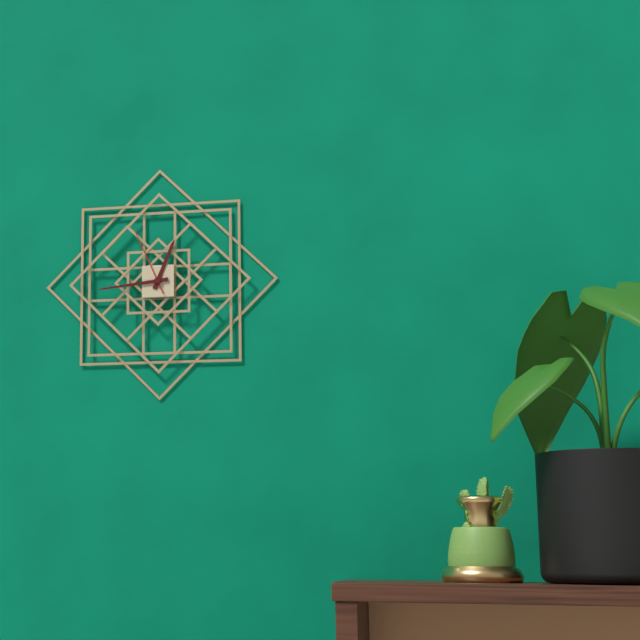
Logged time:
12,44,56
